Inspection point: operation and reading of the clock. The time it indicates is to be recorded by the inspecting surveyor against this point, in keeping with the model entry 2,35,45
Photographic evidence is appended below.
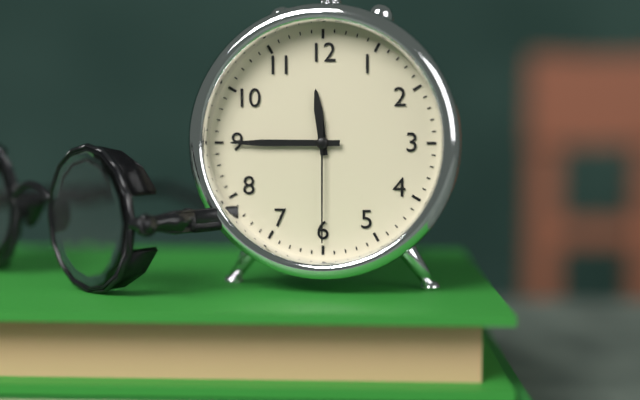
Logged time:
11,45,30
